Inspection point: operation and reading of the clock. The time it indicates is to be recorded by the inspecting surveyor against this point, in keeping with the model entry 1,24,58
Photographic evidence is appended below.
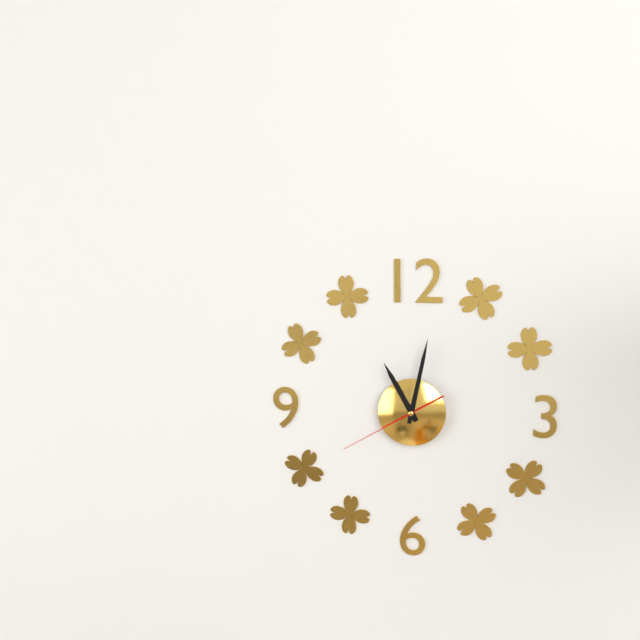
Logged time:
11,02,40
